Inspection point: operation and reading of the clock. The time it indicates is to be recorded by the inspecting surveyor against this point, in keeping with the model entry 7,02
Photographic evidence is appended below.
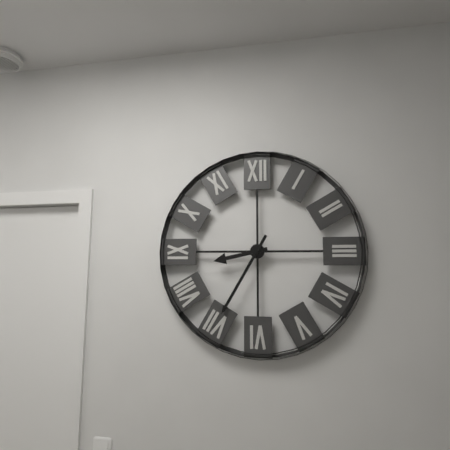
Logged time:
8,35
